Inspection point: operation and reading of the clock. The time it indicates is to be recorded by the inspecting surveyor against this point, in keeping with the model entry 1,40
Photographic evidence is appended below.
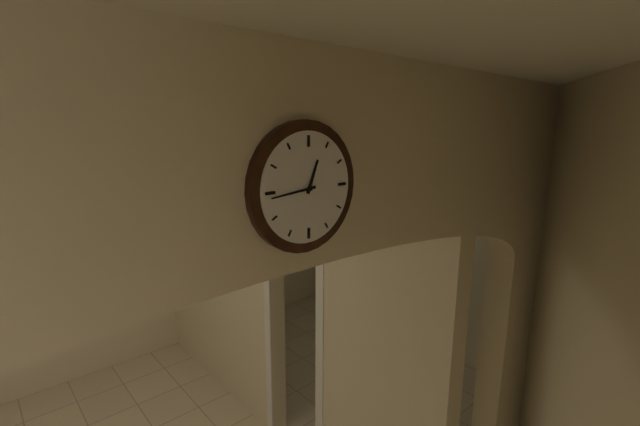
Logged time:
12,44
